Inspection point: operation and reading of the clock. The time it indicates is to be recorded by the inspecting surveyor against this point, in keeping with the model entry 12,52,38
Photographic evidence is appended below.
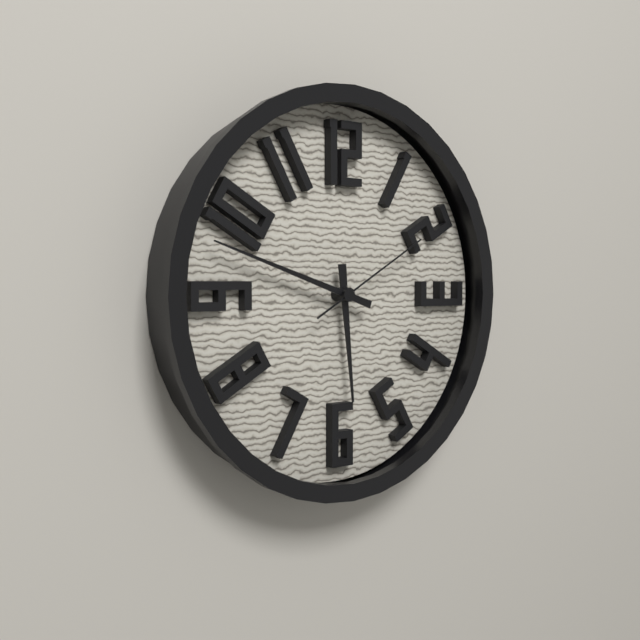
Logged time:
5,48,10
